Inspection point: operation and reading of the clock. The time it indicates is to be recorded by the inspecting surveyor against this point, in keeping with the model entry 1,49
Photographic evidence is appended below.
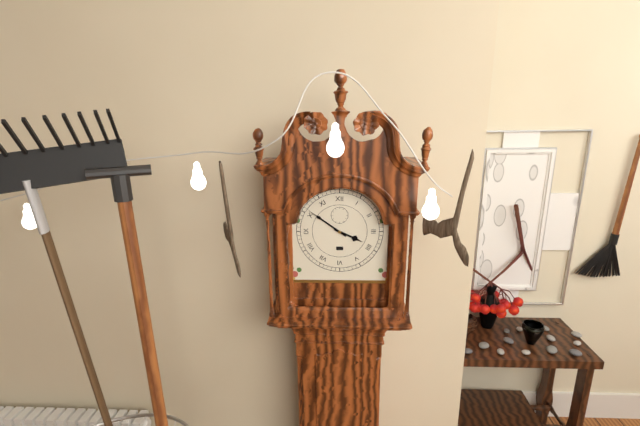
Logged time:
3,51
